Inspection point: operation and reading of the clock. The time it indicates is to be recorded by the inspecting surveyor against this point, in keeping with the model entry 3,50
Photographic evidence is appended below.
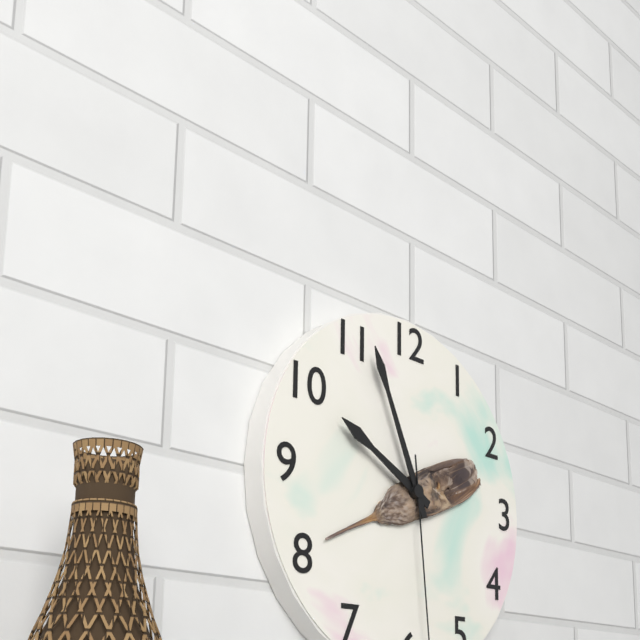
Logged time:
9,56
